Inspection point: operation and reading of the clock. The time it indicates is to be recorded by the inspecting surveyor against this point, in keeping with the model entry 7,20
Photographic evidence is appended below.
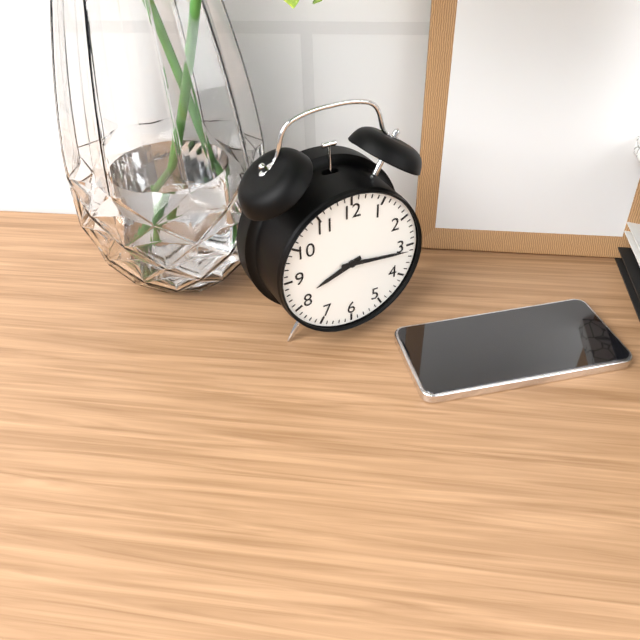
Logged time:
8,16
